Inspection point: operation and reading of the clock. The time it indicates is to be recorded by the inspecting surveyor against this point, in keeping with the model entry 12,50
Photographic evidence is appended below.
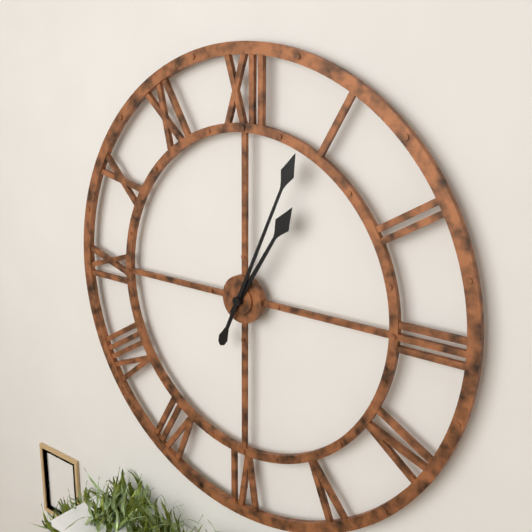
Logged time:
1,04
